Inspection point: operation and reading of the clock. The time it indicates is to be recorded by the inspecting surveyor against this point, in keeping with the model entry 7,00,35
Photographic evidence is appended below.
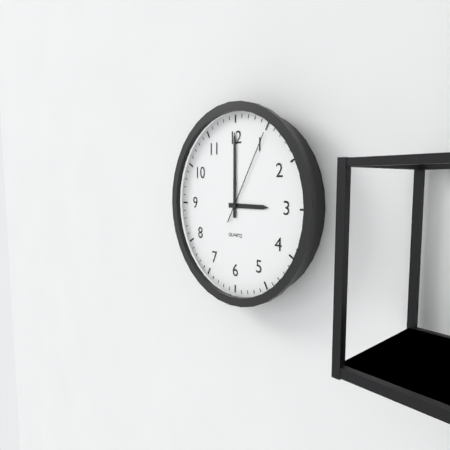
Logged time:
3,00,05
